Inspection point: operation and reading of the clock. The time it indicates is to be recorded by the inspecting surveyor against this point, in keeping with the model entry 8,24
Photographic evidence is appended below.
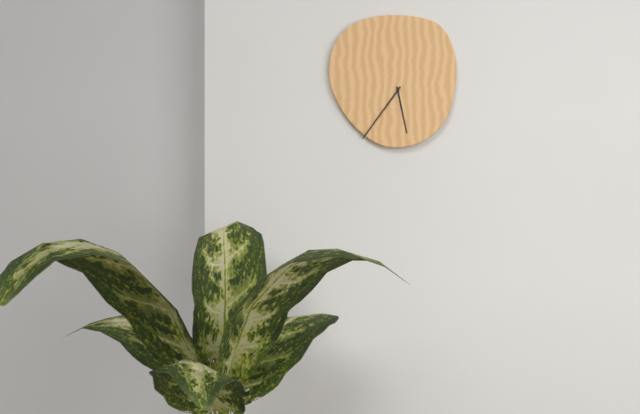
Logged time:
5,36
